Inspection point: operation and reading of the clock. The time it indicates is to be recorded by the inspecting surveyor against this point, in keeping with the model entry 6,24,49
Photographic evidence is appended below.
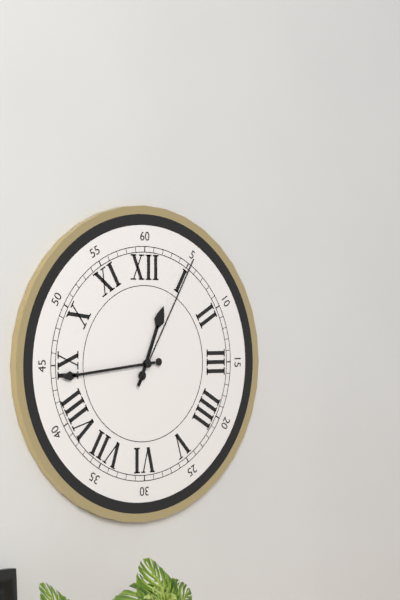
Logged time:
12,44,05
